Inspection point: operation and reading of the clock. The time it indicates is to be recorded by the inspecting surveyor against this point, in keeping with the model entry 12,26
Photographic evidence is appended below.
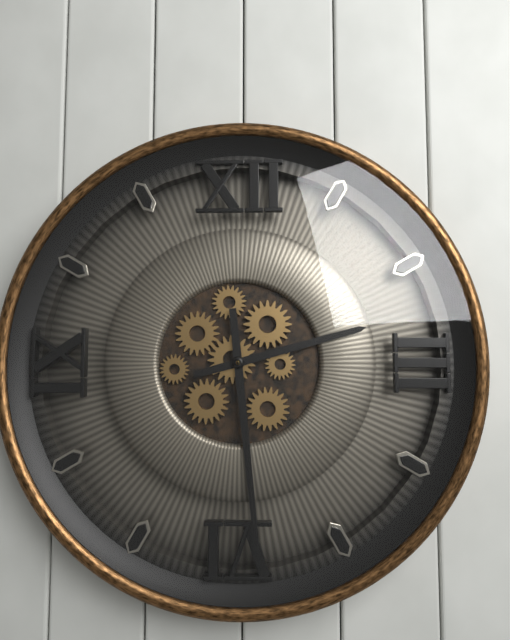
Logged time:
2,29
